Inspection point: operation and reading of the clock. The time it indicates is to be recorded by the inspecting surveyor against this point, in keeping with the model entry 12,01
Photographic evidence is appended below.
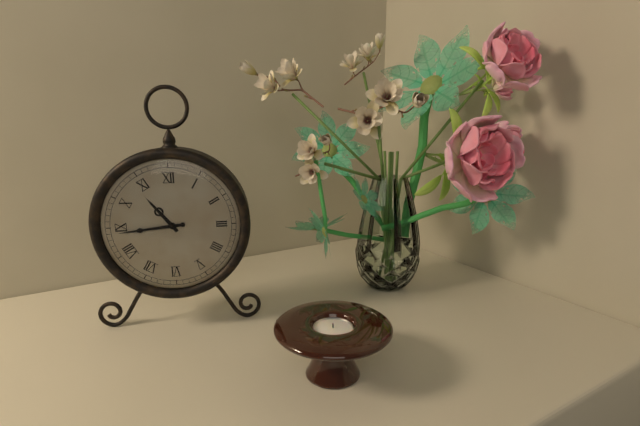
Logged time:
10,44
